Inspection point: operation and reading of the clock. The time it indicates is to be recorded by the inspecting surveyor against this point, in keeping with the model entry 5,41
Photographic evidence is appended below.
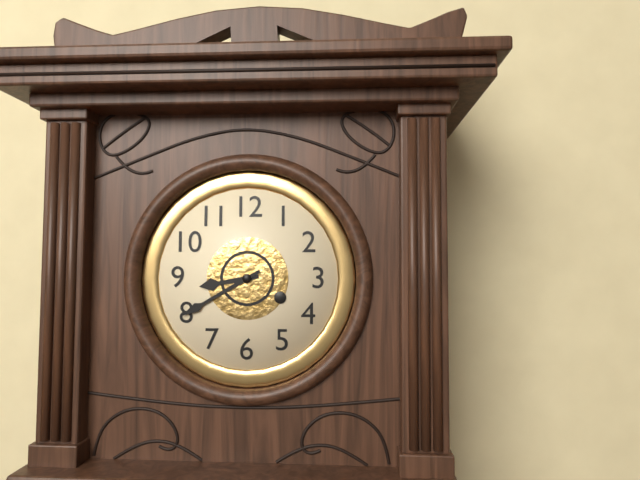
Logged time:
8,40
